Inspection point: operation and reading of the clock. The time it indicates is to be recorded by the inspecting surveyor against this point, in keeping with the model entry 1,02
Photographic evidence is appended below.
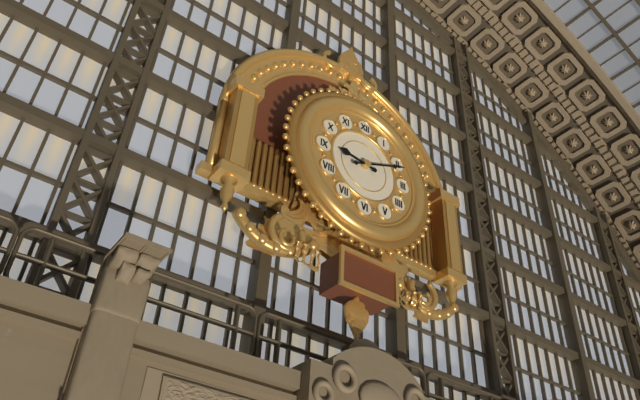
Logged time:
9,11
